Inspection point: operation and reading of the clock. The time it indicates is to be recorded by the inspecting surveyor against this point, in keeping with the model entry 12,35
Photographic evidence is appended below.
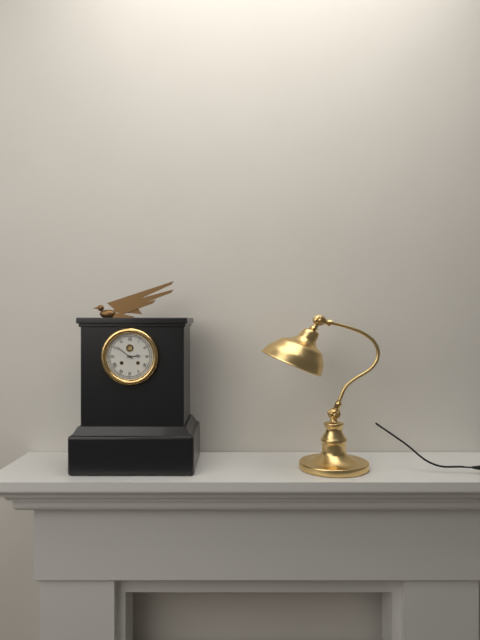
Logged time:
2,51
